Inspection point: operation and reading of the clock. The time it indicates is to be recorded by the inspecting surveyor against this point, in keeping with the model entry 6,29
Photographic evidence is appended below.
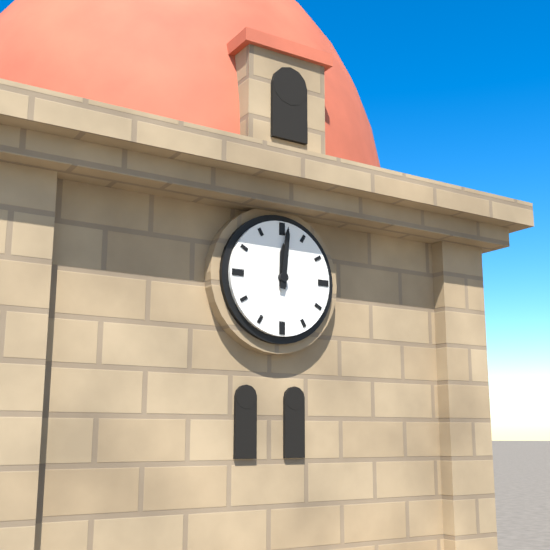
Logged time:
12,01
